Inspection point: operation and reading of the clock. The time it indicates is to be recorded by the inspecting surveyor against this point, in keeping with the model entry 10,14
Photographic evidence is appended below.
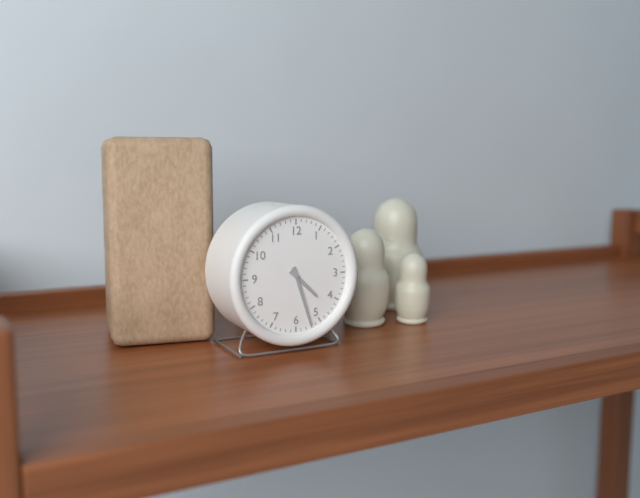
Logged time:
4,27
